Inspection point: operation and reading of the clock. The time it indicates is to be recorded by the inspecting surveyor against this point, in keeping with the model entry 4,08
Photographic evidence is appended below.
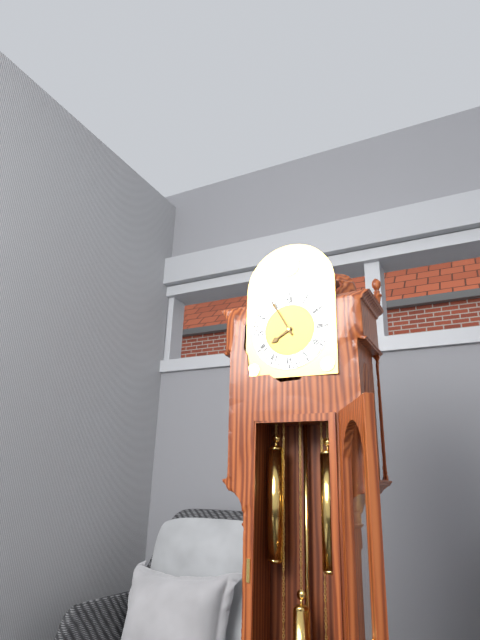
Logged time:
7,55
